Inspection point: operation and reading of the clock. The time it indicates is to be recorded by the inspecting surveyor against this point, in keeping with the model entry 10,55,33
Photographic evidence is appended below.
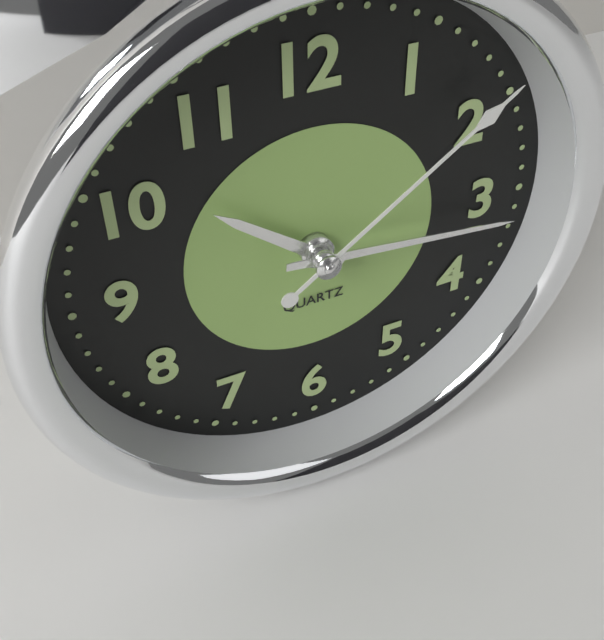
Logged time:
10,16,09
